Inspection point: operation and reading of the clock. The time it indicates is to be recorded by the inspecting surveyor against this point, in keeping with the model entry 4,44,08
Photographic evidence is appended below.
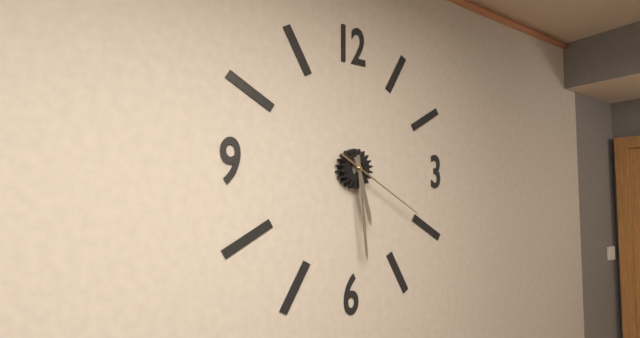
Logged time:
5,29,20
